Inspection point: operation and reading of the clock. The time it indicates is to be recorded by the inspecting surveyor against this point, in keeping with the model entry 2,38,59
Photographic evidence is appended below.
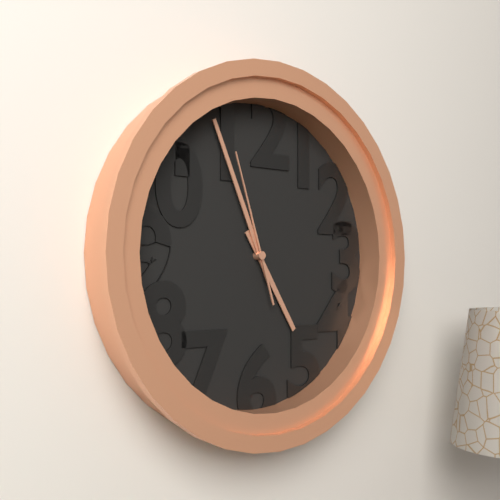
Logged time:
4,56,57
